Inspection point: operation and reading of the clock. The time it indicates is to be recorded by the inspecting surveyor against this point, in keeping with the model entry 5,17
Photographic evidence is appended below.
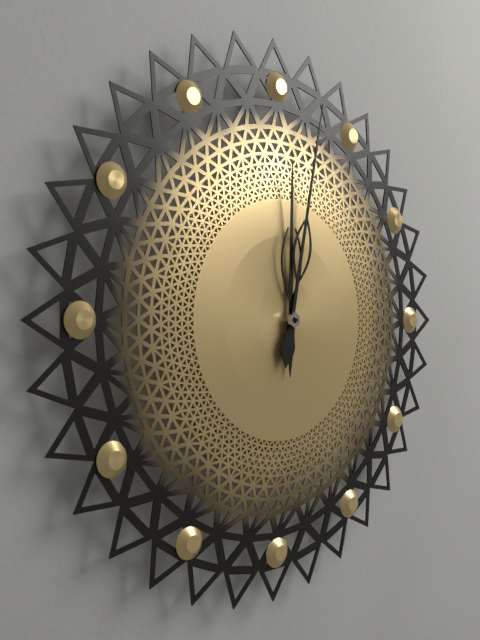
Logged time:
12,02
